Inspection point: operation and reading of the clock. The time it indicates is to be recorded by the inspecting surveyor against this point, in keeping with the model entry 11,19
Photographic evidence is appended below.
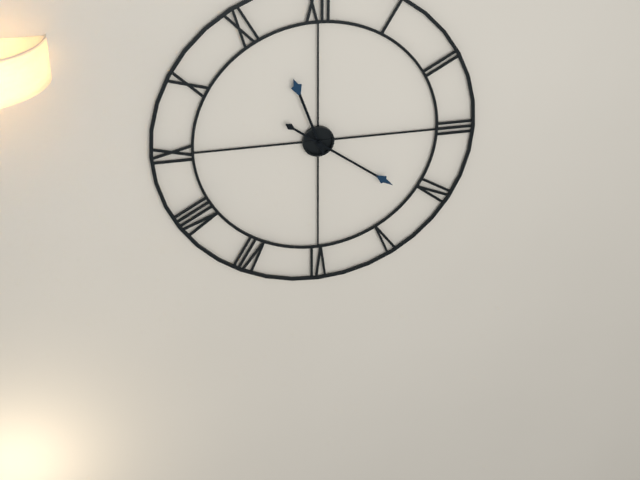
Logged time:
11,21
